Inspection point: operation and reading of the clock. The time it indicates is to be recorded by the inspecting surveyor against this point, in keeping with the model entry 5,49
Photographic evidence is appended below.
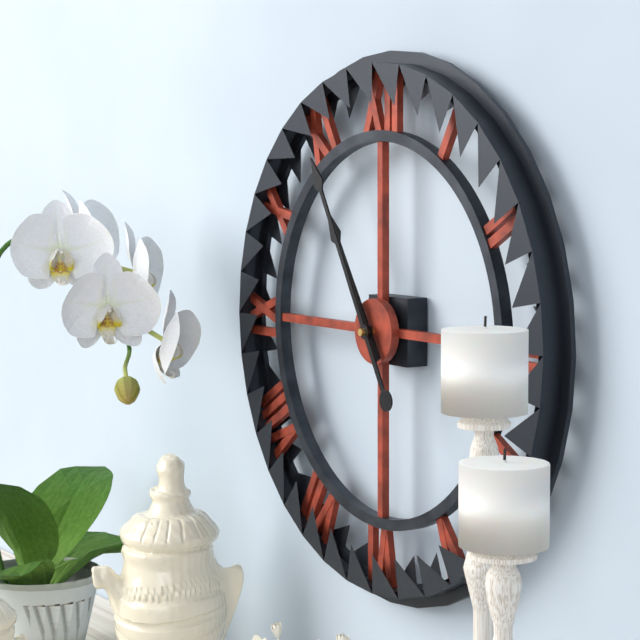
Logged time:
10,55
